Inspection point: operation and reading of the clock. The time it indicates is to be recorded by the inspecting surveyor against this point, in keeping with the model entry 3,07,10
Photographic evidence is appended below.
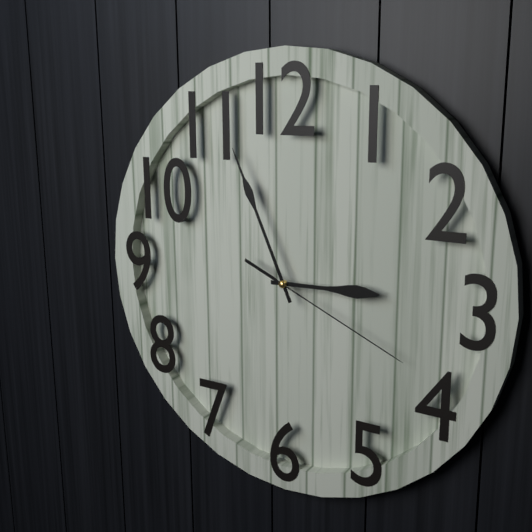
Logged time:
2,56,19
